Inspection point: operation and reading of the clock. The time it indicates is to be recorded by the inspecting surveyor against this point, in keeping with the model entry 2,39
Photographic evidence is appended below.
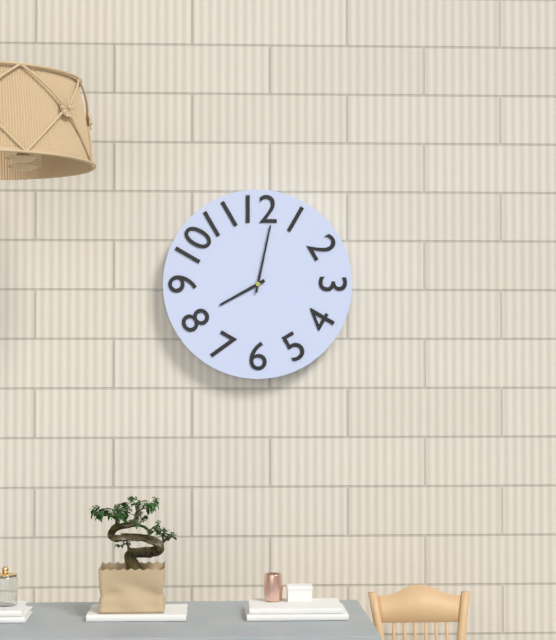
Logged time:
8,02
